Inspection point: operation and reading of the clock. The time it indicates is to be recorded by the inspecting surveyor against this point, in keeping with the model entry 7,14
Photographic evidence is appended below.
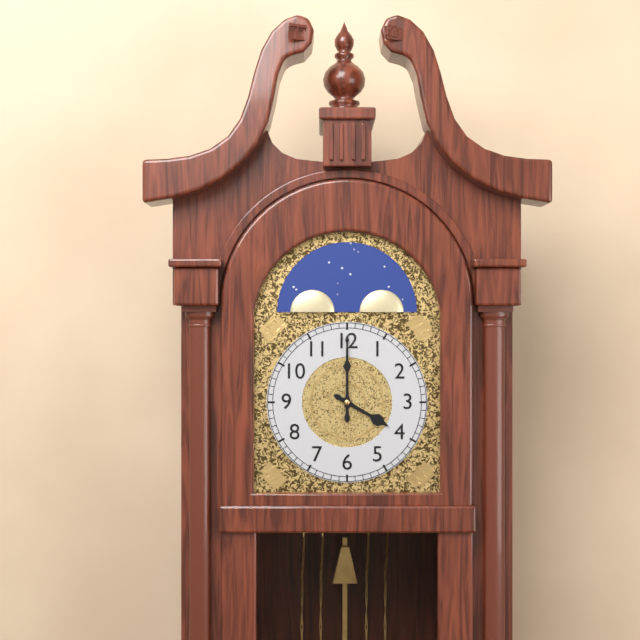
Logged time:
4,00
